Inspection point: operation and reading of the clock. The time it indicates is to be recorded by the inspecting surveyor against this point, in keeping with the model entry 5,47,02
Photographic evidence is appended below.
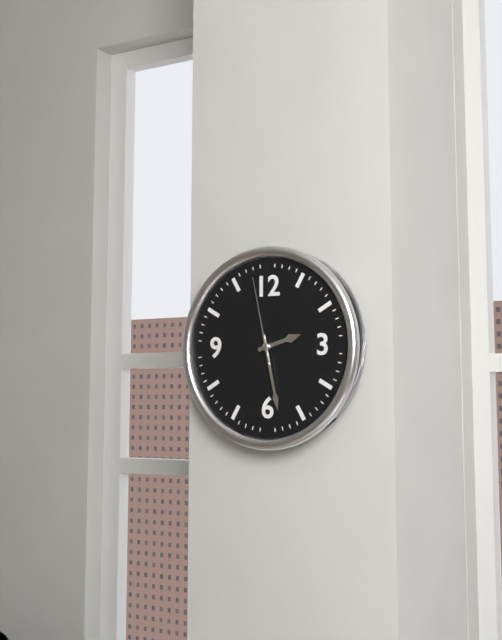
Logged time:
2,28,58
